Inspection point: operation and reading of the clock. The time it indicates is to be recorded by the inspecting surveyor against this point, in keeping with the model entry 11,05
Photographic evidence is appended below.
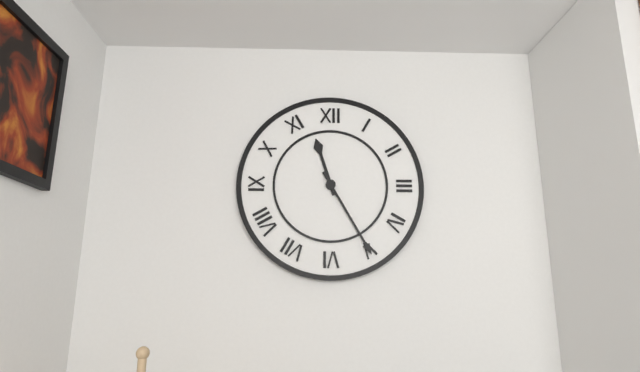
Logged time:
11,25
